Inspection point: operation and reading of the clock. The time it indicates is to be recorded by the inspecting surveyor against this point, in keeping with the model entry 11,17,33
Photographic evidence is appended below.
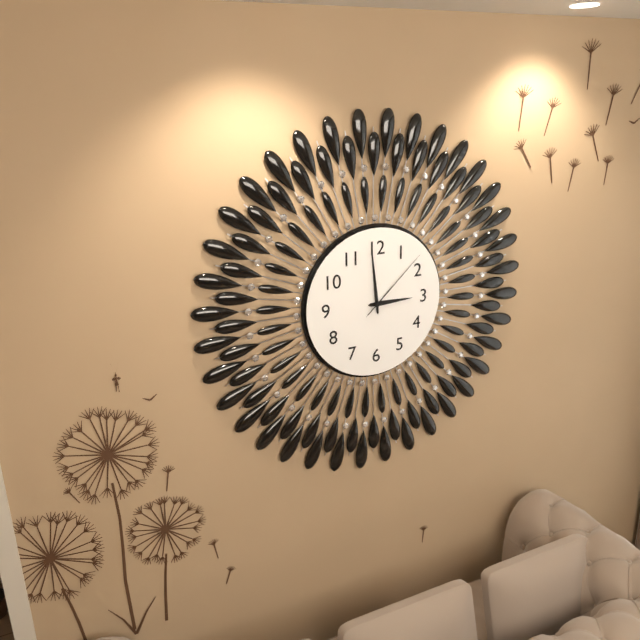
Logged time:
2,59,08
